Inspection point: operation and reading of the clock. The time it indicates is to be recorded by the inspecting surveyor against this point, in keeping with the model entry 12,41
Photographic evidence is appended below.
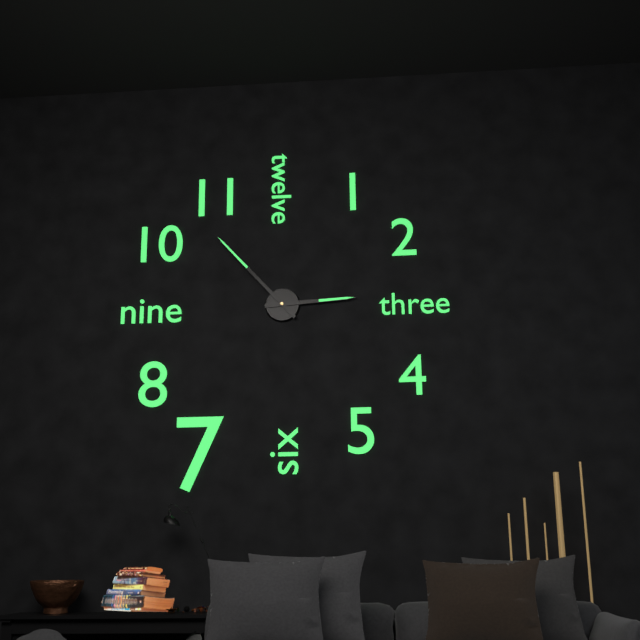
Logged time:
2,53
